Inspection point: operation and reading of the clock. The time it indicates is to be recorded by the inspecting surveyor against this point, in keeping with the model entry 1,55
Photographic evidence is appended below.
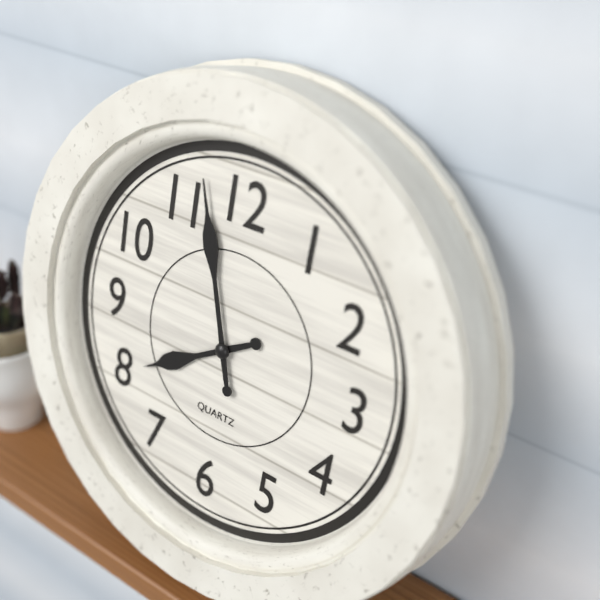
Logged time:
7,57
